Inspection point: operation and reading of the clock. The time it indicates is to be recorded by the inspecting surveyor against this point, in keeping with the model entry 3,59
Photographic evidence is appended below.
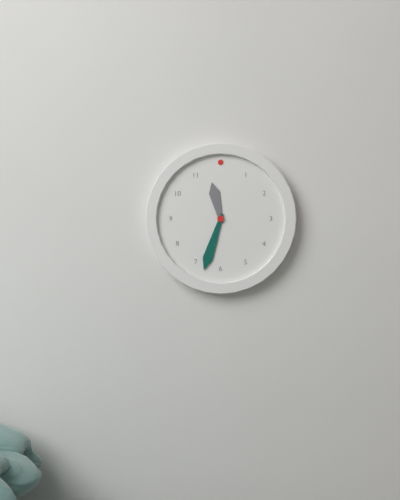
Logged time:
11,33
